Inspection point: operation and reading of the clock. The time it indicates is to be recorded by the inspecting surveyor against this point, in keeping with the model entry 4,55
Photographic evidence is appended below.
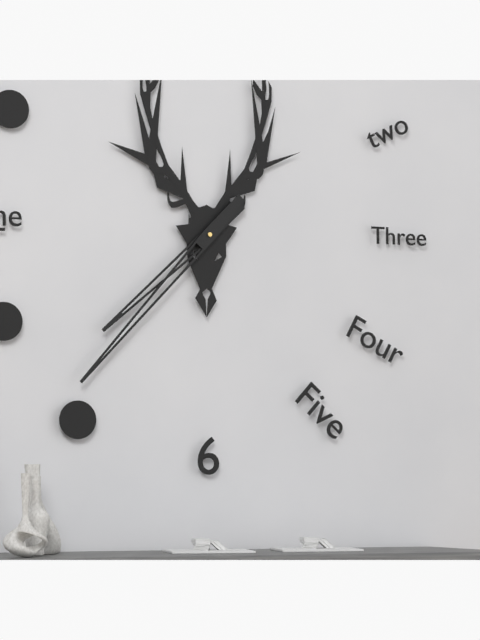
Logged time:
7,37
